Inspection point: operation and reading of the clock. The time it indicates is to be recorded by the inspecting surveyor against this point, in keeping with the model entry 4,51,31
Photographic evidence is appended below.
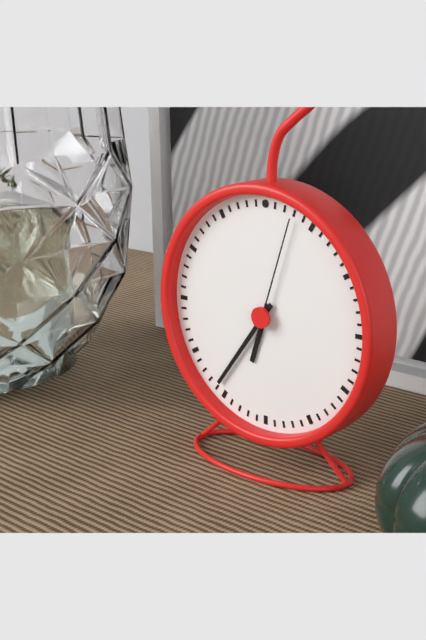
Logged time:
6,36,03
